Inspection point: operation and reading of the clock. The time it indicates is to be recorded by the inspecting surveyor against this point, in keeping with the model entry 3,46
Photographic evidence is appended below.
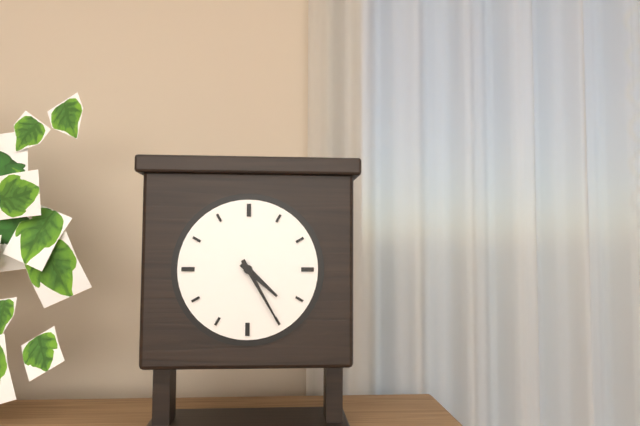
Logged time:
4,25
